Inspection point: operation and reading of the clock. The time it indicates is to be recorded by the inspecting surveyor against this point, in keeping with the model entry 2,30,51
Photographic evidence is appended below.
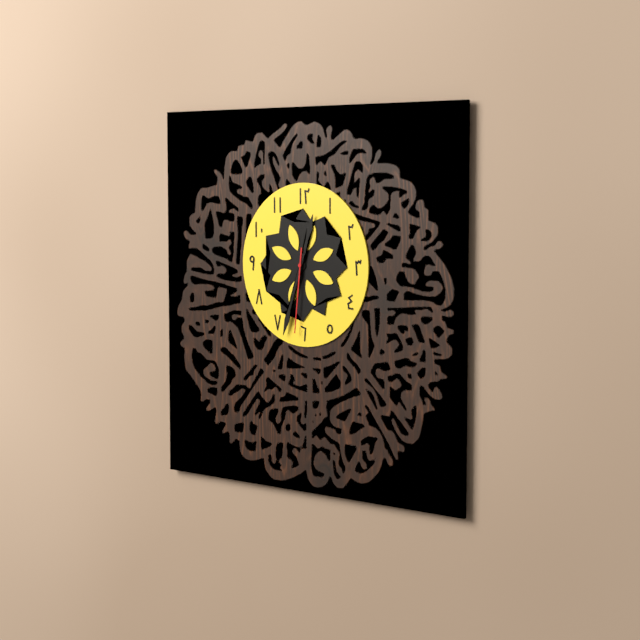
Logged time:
12,33,31
